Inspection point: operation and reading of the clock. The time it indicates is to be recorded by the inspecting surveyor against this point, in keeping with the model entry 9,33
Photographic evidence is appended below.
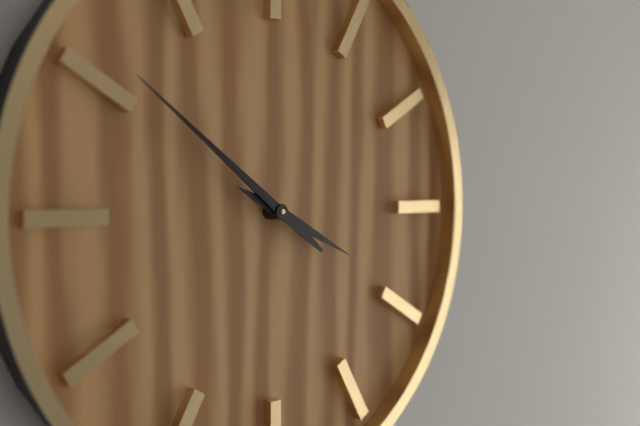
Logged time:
3,51
